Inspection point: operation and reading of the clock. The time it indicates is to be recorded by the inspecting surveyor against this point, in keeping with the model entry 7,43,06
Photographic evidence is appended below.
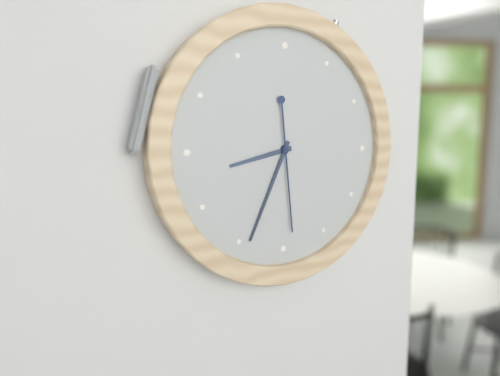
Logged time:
8,34,29
